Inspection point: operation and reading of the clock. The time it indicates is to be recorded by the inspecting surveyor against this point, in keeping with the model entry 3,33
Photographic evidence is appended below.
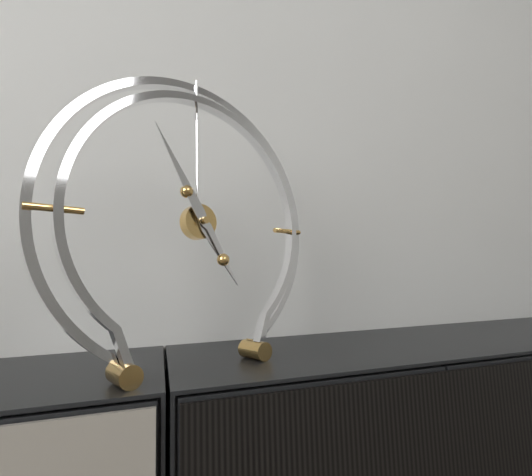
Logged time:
4,55
